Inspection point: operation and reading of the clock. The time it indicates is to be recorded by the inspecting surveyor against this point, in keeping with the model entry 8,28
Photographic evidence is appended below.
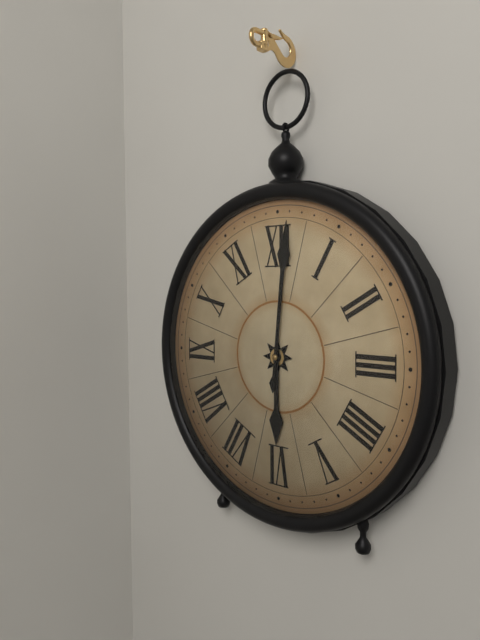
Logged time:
6,01
